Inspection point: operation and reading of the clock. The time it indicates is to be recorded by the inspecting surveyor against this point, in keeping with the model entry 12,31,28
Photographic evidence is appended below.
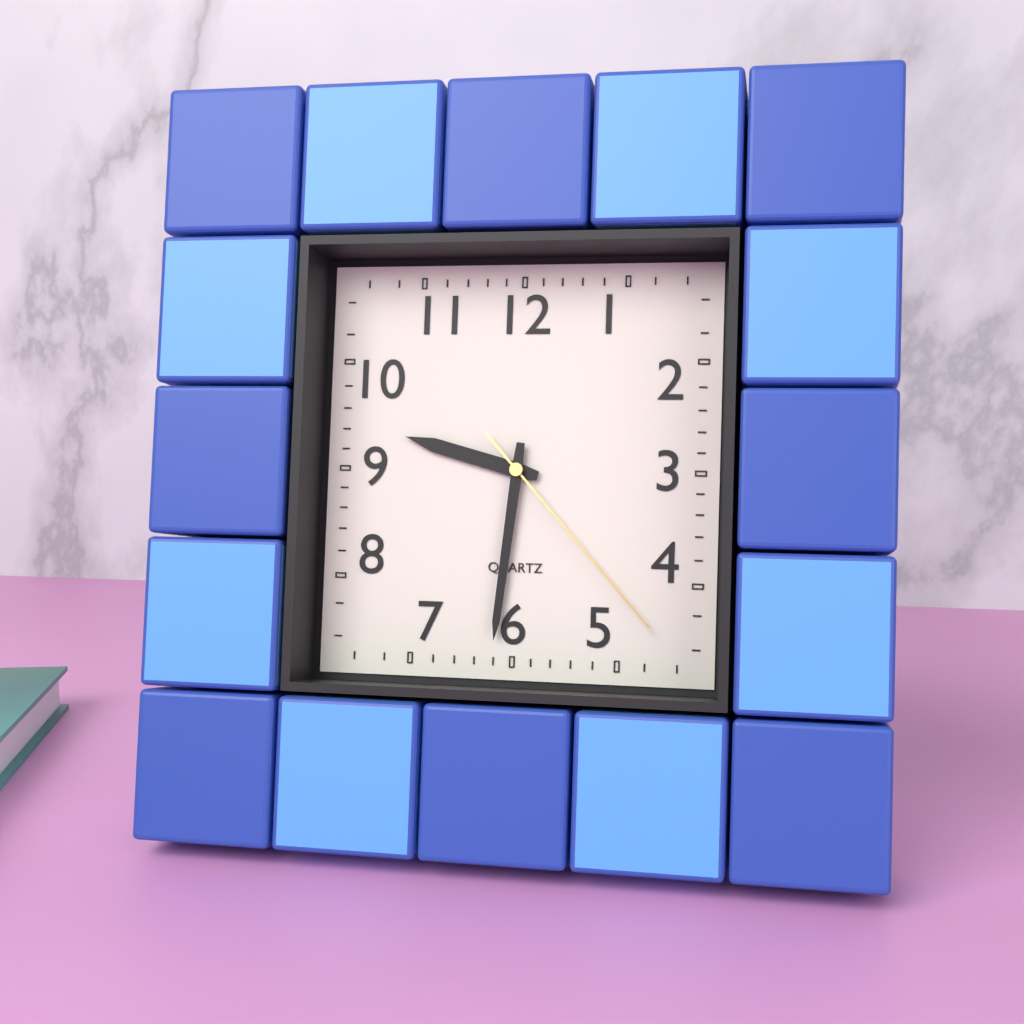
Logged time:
9,31,23
